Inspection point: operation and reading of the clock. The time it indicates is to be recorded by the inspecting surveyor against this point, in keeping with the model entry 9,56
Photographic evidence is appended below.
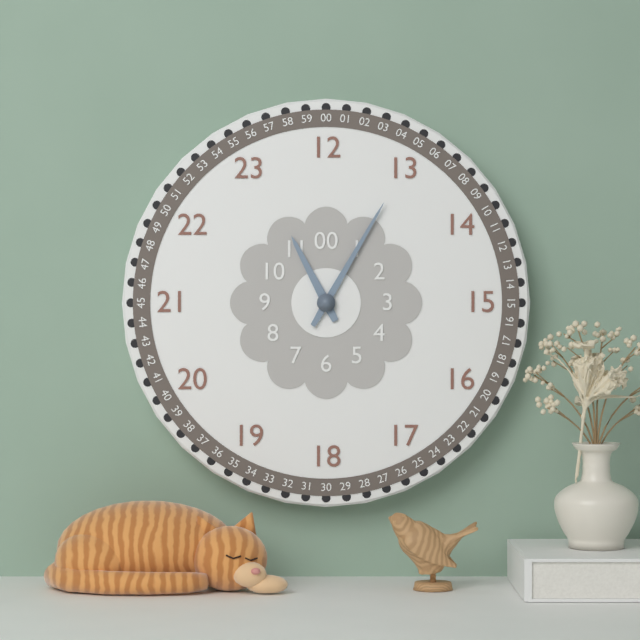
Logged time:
11,05
